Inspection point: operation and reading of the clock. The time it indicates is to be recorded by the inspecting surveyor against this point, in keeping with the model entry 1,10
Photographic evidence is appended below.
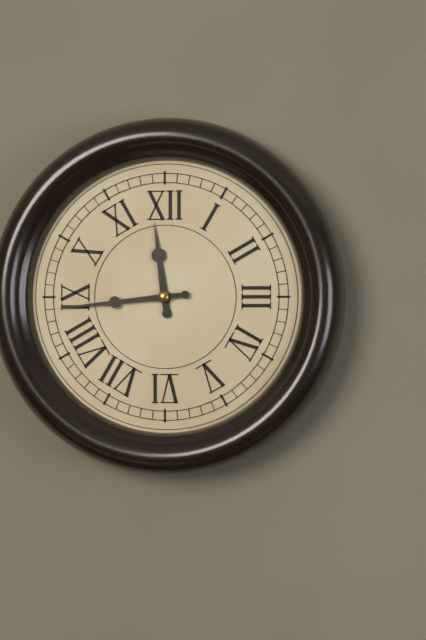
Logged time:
11,44
